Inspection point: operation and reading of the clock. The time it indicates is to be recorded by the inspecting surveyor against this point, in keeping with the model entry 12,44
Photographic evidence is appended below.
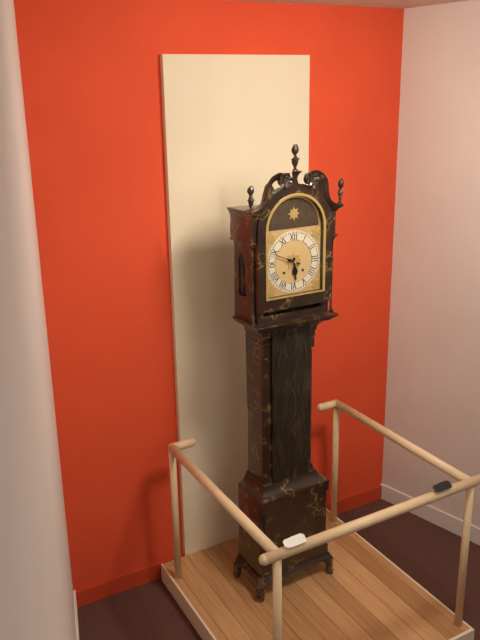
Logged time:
5,49
